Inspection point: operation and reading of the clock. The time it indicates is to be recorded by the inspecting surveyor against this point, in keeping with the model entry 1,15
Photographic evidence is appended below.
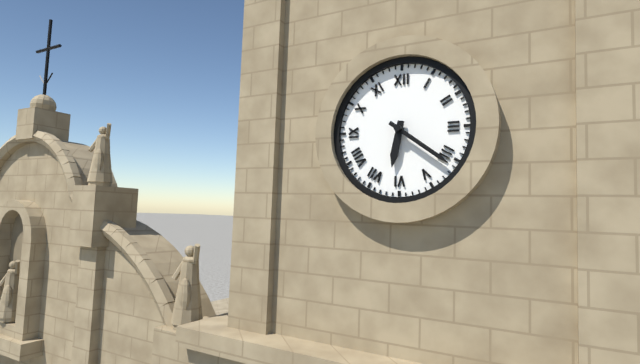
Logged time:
6,21
